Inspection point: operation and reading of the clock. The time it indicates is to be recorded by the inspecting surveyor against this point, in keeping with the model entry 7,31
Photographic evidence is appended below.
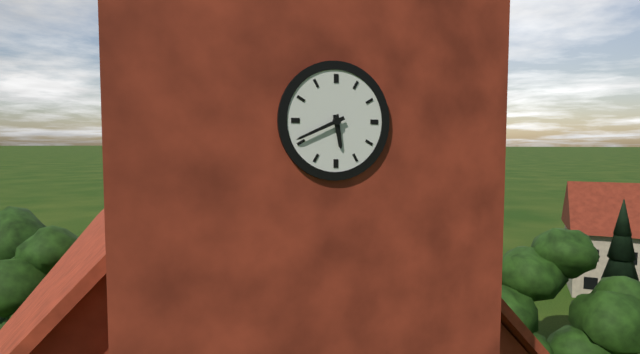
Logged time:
5,41
